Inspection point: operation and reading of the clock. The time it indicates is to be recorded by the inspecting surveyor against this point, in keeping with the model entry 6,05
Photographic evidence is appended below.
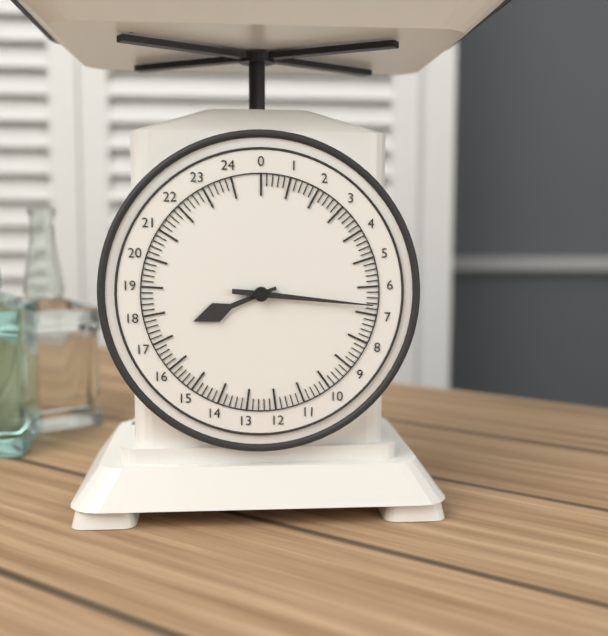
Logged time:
8,16
